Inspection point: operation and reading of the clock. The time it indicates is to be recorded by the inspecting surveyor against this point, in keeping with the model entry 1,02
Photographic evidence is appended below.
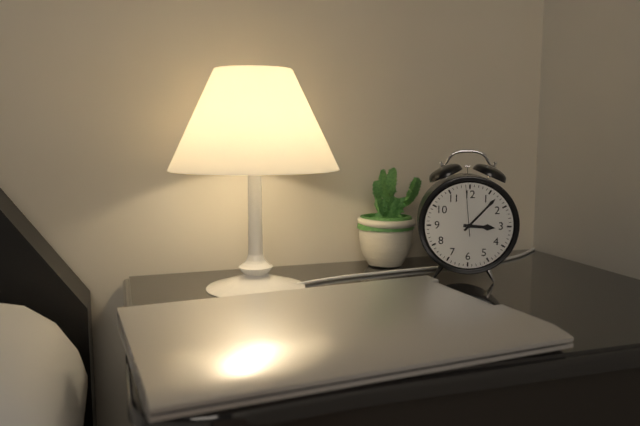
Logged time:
3,07
